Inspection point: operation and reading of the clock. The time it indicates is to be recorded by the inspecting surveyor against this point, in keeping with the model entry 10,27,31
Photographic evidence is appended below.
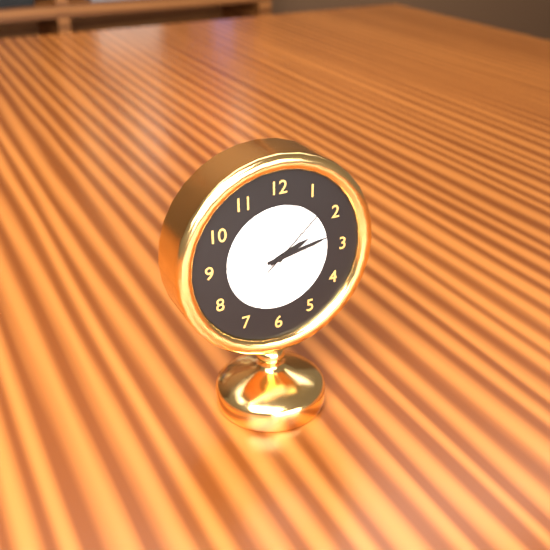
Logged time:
2,13,08
